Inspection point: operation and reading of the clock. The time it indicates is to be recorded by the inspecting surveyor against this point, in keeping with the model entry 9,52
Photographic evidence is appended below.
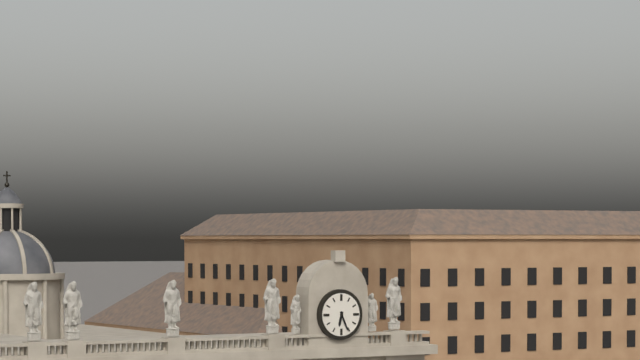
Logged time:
6,26
